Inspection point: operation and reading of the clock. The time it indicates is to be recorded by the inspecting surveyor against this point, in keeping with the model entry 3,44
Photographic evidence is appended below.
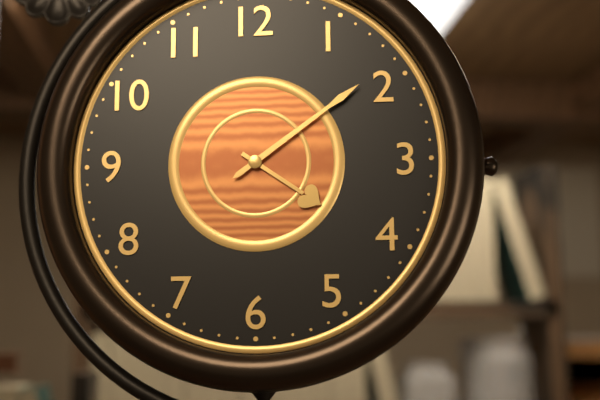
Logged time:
4,09
